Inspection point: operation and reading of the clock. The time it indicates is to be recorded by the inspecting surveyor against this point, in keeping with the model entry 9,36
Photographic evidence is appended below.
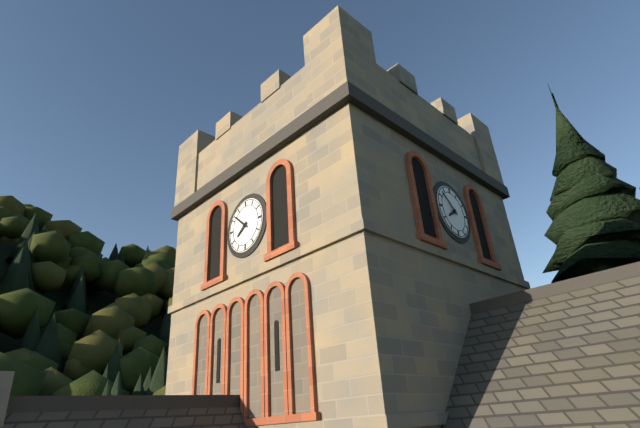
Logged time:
7,52
